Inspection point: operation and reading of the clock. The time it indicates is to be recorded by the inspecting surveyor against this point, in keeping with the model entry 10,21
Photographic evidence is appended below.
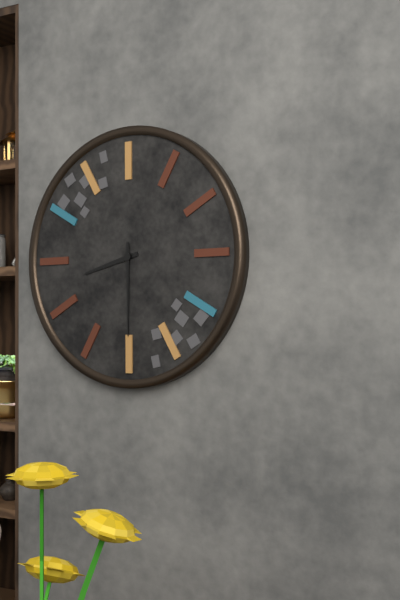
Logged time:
8,30
